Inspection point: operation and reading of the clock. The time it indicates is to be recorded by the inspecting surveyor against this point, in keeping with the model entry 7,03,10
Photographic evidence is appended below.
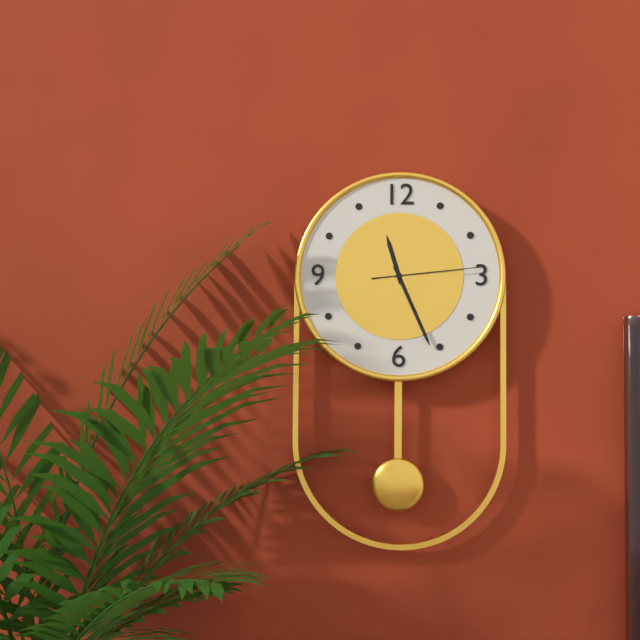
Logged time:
11,26,14
